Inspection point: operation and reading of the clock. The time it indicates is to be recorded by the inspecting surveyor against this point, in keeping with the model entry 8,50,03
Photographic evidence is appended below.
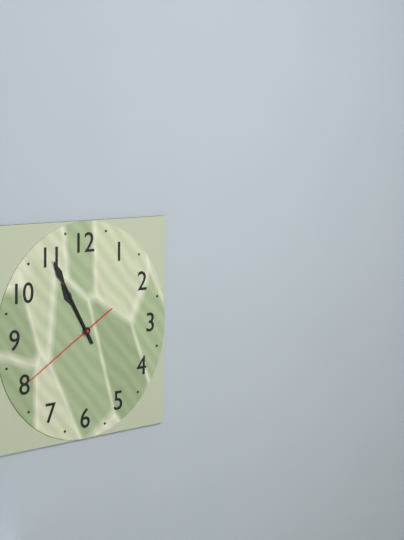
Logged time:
10,55,40
